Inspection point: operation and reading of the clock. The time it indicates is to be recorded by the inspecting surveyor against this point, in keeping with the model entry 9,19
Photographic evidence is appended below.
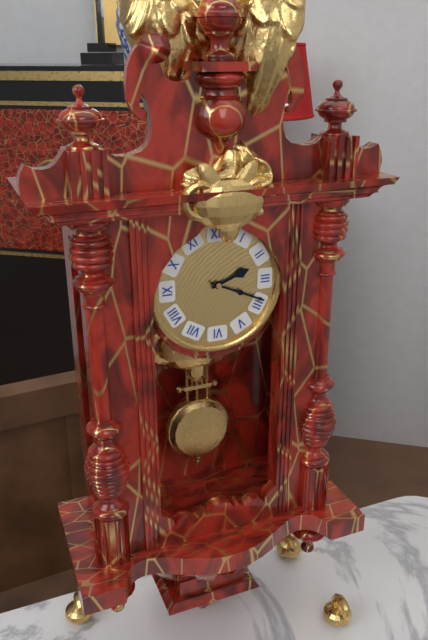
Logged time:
2,19
